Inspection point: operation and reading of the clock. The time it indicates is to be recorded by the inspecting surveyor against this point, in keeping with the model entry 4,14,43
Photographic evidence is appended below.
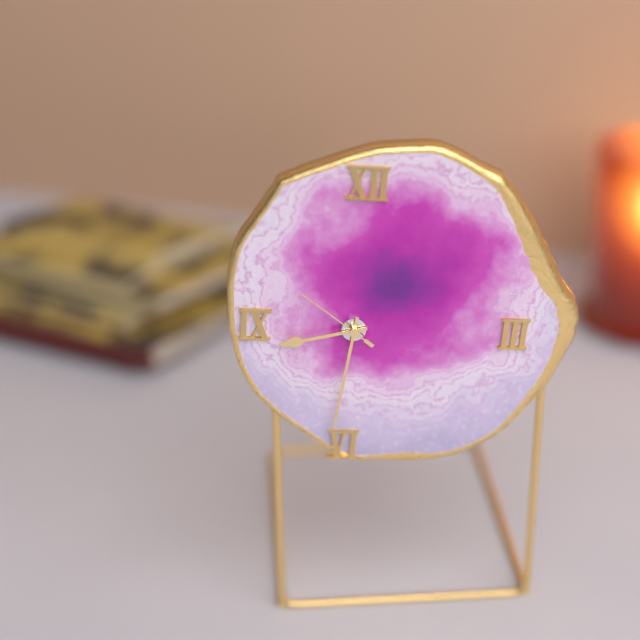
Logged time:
8,31,51
